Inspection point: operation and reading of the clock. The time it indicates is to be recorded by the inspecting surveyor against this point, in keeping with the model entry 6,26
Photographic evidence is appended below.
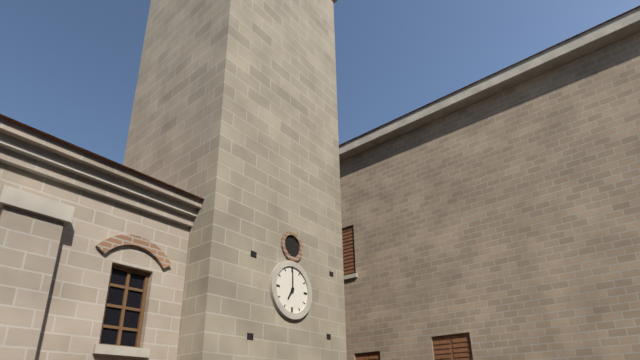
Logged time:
7,00
